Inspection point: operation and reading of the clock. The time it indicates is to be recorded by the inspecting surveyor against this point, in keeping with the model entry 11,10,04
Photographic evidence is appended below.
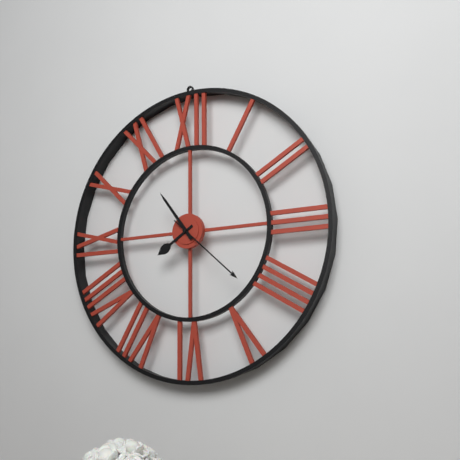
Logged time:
7,54,22
